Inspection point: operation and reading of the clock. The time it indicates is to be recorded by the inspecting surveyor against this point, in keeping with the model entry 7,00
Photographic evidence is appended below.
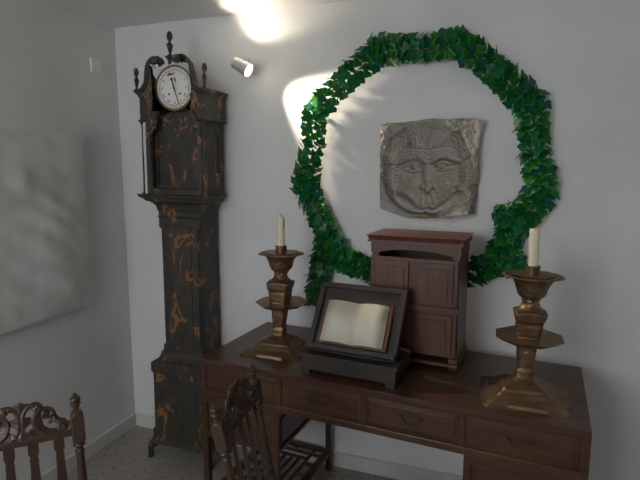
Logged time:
11,27
